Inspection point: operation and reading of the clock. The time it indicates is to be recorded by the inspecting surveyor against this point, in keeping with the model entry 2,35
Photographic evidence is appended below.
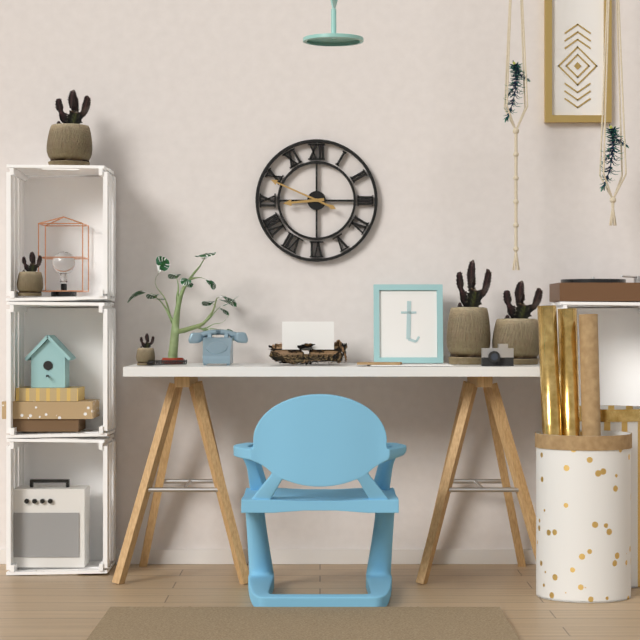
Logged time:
8,49
